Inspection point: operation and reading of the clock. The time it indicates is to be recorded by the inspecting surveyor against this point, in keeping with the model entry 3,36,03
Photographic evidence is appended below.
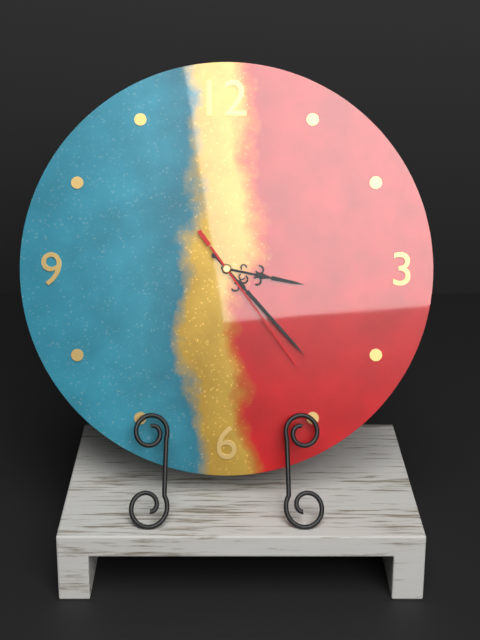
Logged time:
3,23,24
